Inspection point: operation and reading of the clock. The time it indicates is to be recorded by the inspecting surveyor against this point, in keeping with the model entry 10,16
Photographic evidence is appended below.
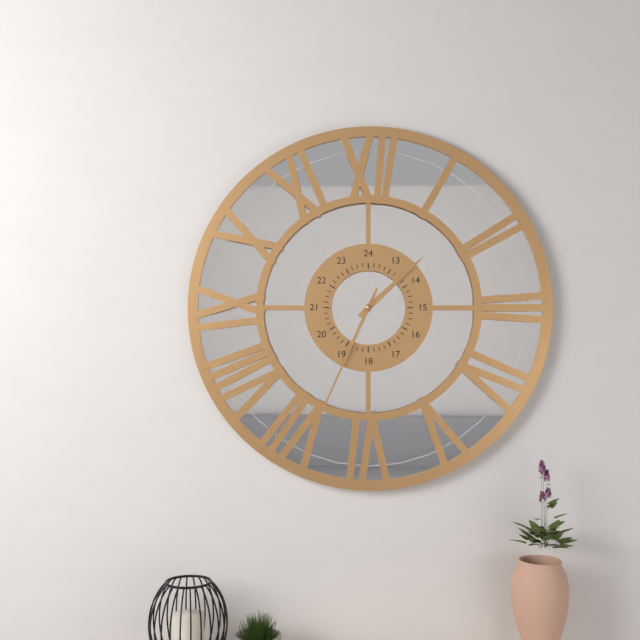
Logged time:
1,34
